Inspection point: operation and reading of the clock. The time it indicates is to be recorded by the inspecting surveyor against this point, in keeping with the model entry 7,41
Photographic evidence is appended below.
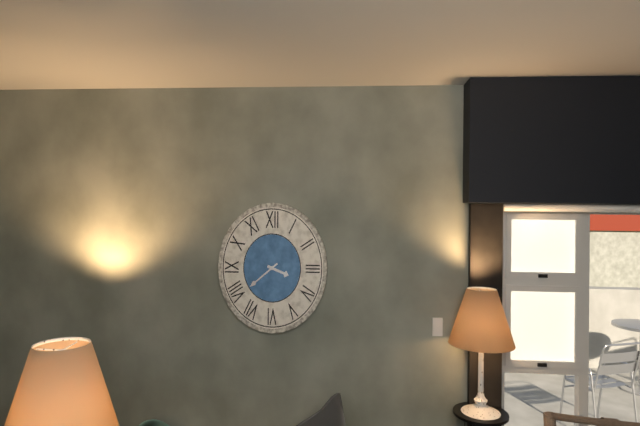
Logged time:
3,39
